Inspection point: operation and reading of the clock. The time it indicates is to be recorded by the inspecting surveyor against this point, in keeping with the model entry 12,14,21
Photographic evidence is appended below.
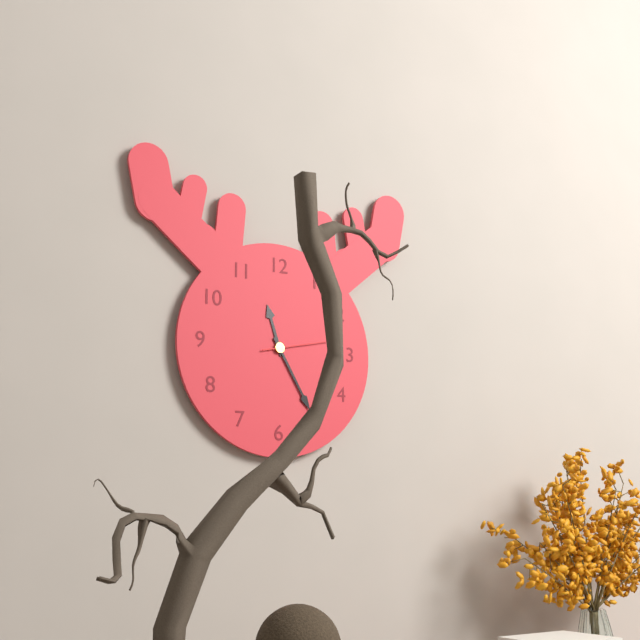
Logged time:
11,25,13
